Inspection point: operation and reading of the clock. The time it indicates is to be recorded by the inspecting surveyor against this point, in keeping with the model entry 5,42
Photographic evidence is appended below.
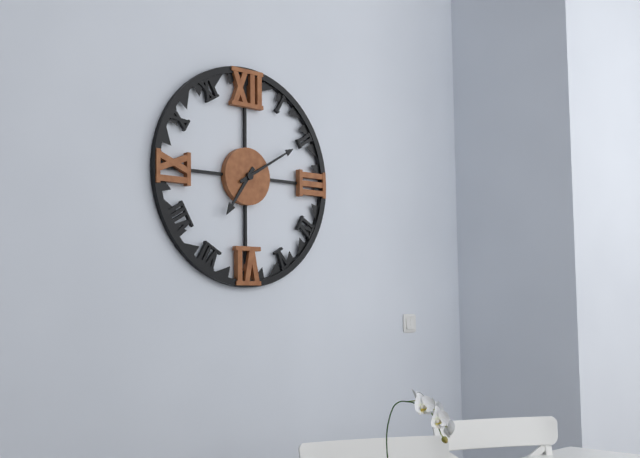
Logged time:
7,10
